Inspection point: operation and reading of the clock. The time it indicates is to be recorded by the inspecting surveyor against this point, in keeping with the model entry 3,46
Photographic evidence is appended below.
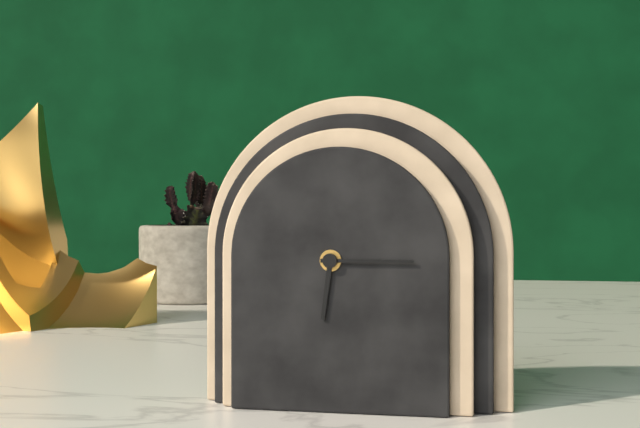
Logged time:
6,15
